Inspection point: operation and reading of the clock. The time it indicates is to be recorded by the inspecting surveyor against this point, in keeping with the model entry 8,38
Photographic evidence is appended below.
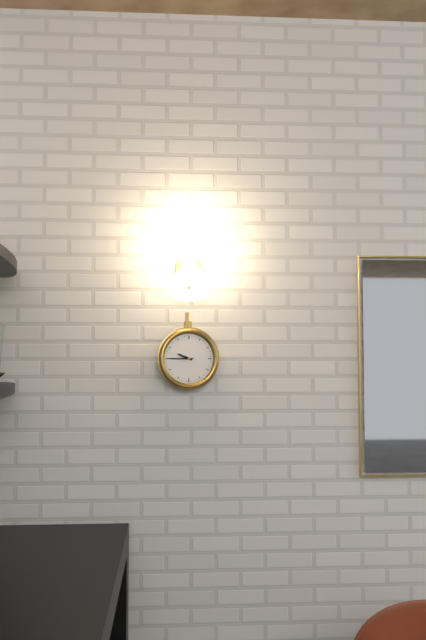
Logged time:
9,45
